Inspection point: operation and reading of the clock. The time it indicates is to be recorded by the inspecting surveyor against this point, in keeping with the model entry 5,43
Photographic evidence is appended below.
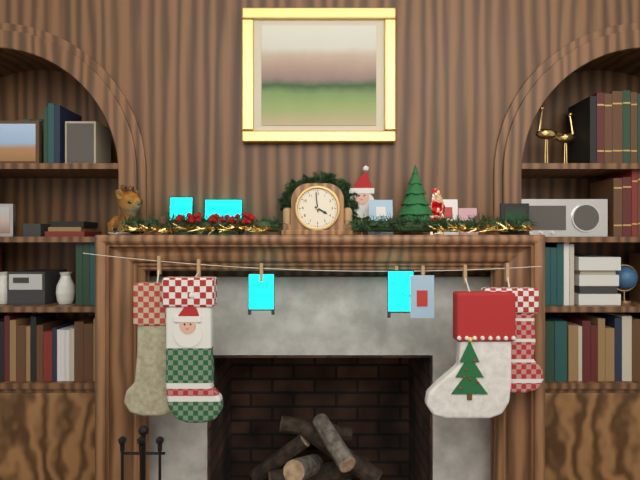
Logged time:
3,59
